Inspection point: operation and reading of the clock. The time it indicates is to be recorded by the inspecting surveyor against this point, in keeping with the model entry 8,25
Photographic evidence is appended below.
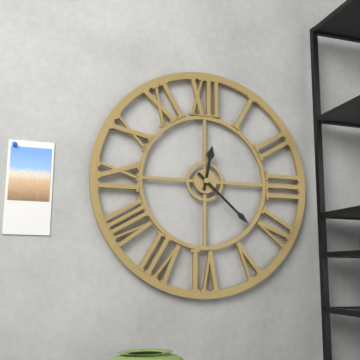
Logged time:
12,22
